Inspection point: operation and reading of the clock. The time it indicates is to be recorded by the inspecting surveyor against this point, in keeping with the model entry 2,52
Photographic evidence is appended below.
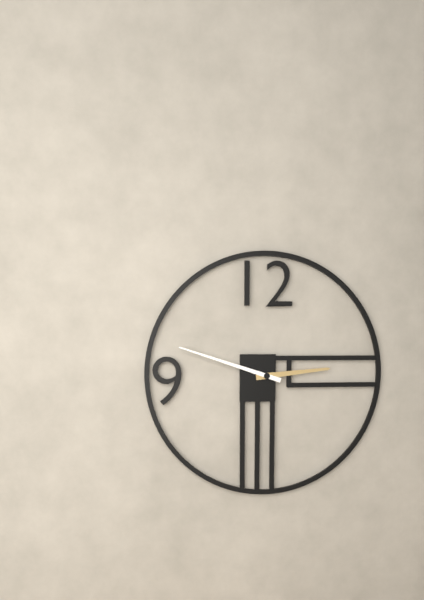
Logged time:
2,48
